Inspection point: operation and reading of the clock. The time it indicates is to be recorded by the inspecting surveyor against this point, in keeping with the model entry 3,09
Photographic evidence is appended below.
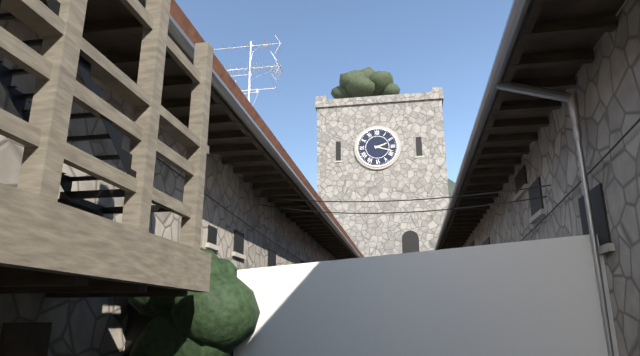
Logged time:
2,18
